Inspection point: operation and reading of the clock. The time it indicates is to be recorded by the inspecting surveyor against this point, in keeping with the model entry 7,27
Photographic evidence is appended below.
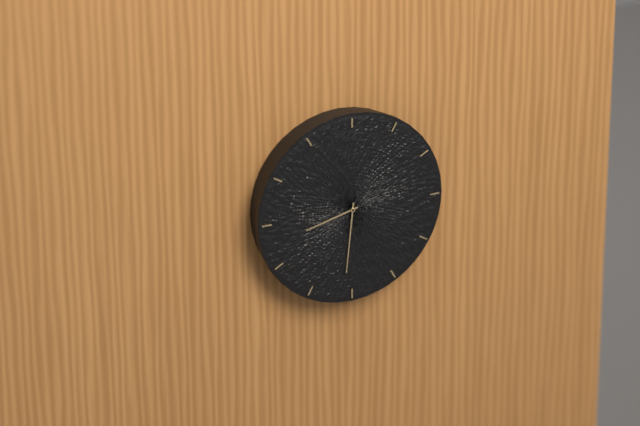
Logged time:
8,31
